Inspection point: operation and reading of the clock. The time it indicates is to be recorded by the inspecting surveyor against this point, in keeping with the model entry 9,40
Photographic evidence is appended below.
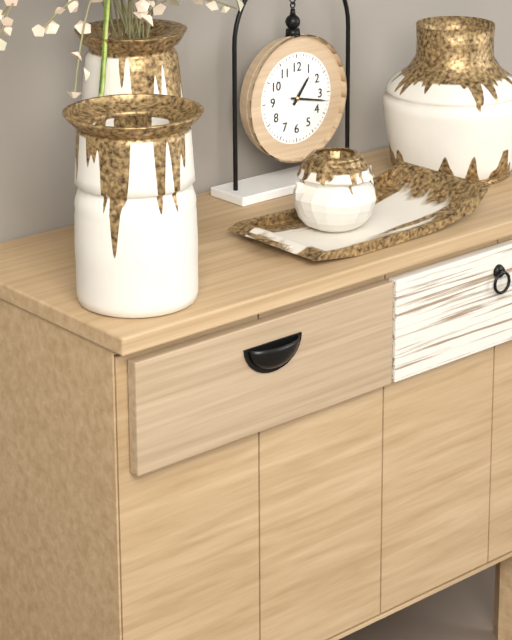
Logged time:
1,17
